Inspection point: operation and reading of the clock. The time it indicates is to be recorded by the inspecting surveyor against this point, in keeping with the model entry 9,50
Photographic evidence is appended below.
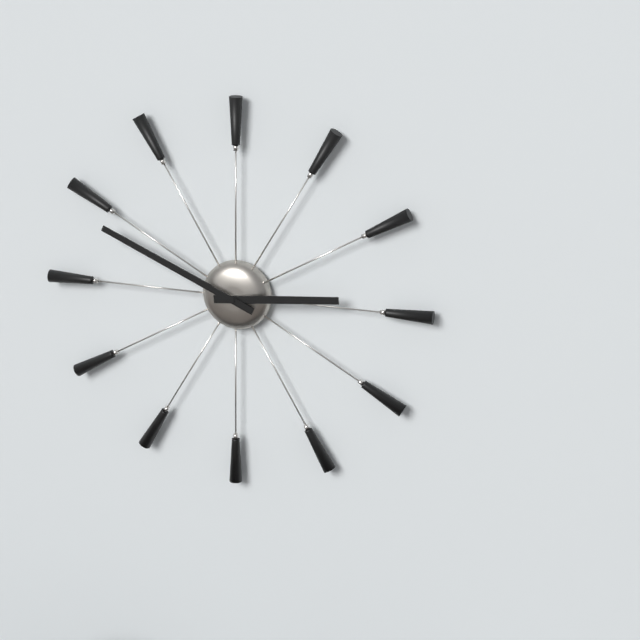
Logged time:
2,49
